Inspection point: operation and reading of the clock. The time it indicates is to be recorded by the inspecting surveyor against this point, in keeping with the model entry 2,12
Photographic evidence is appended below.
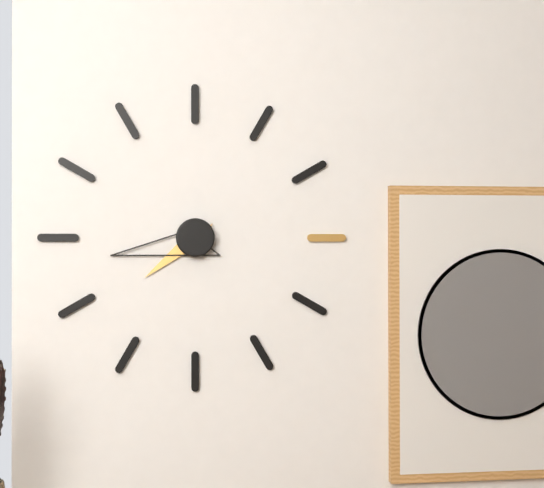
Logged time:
7,43
